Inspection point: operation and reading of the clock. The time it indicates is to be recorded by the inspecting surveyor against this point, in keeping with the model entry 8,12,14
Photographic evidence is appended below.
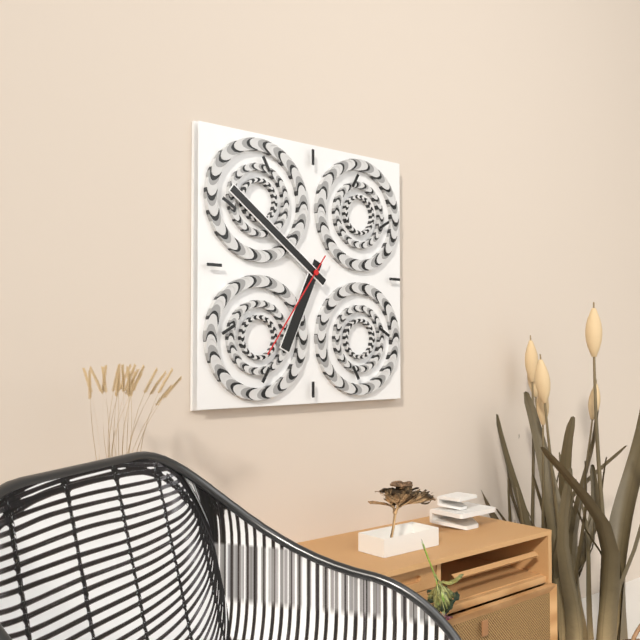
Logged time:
6,51,36
